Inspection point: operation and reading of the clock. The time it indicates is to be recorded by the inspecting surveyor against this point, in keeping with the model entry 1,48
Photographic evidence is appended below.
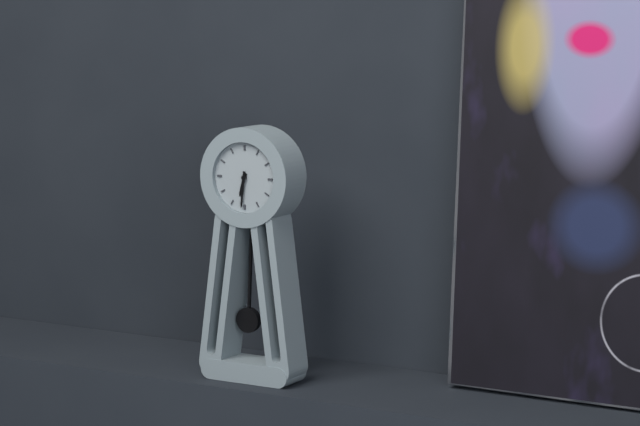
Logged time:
6,31
